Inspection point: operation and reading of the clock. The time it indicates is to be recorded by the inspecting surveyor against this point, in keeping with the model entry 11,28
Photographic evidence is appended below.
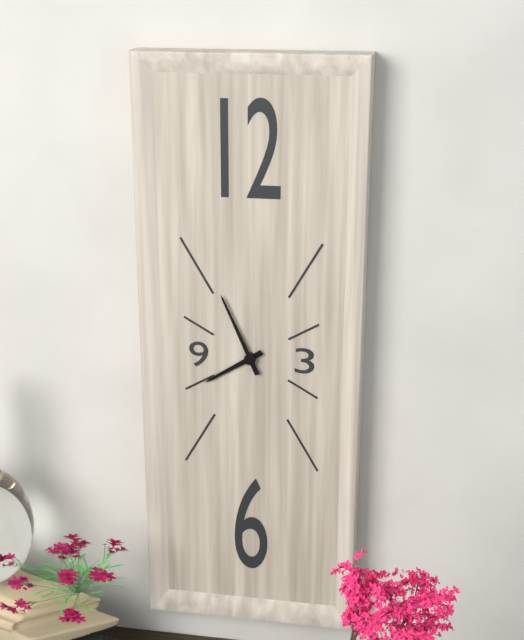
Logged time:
7,56
